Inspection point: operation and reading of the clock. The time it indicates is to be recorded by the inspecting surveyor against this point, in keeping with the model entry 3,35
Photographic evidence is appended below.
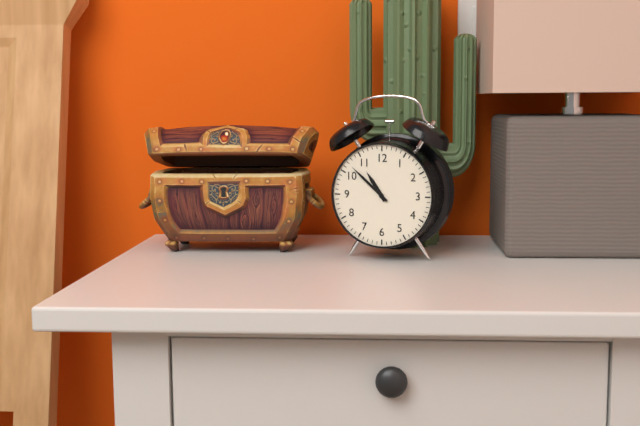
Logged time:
10,52
